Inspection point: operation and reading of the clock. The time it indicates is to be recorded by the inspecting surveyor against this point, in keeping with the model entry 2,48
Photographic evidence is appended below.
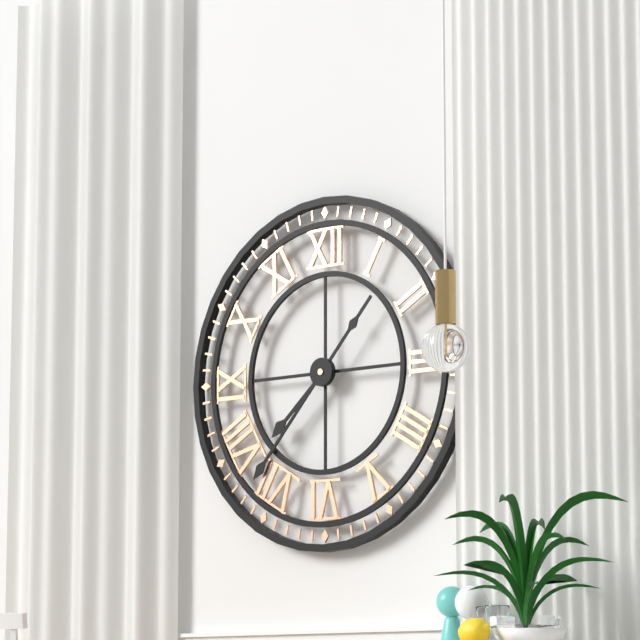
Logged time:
7,37
